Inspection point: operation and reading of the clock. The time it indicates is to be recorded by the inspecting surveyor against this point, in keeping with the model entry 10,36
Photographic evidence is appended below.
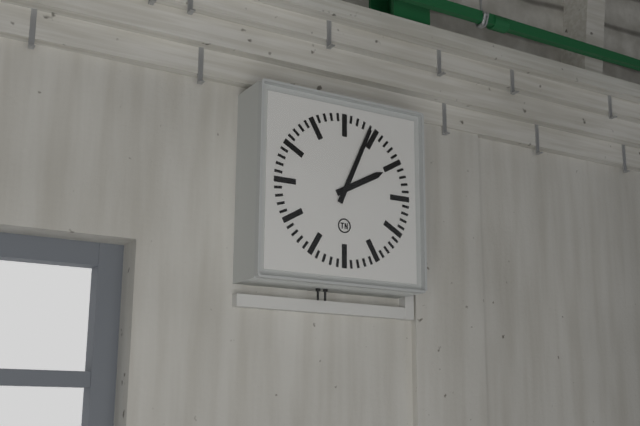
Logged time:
2,04
